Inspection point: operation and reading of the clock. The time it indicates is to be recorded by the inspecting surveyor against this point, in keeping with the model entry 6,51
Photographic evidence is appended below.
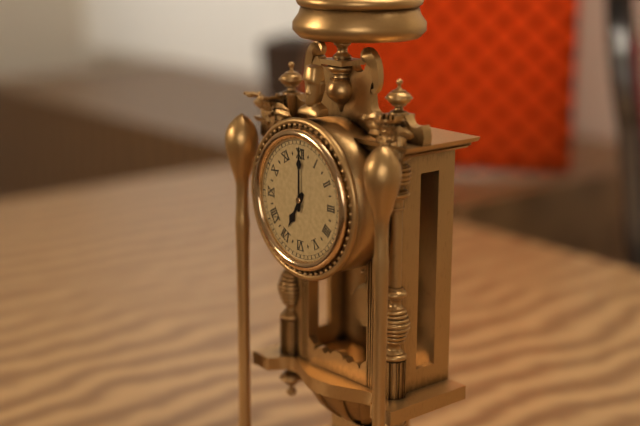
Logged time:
7,00
